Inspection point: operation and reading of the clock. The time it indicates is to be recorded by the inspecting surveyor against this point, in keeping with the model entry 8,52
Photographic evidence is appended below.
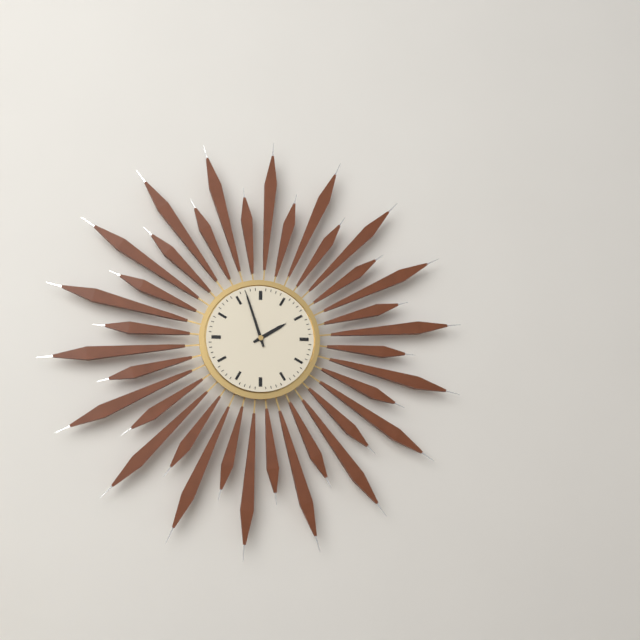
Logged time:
1,57
